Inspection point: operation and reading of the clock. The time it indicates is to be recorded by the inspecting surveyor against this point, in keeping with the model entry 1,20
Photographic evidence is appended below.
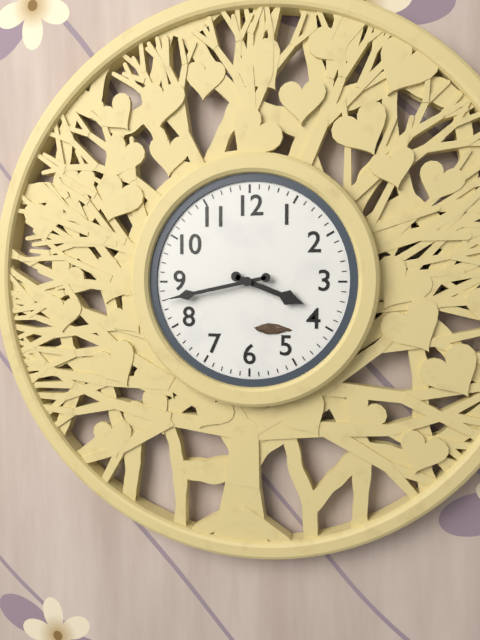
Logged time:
3,43
